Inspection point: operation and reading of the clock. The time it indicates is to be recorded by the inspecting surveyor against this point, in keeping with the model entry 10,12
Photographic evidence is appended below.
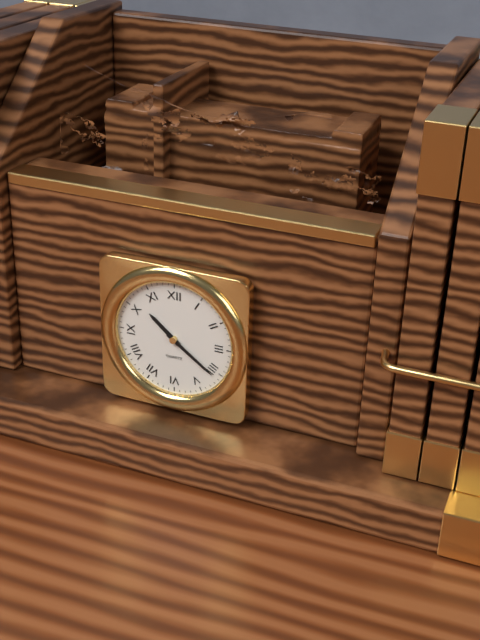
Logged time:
10,21
